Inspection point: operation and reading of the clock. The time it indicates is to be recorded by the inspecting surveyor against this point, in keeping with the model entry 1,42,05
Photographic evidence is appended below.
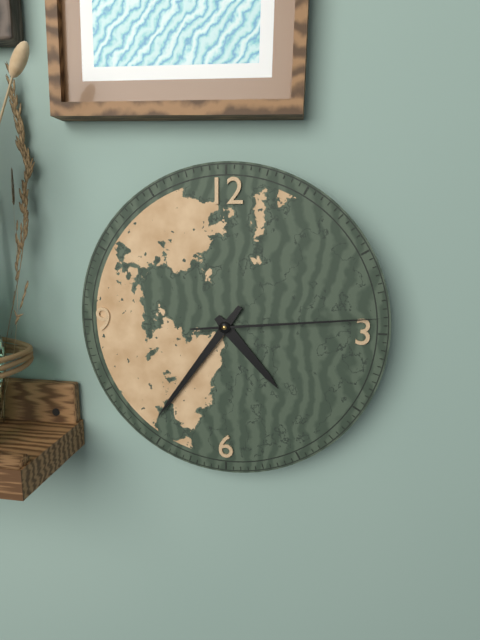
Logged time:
4,36,14
